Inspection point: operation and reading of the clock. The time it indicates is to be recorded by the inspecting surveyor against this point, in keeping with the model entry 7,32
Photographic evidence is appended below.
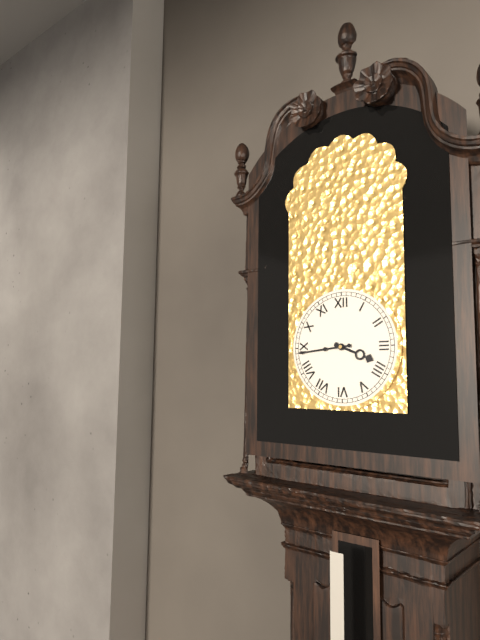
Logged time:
3,44
